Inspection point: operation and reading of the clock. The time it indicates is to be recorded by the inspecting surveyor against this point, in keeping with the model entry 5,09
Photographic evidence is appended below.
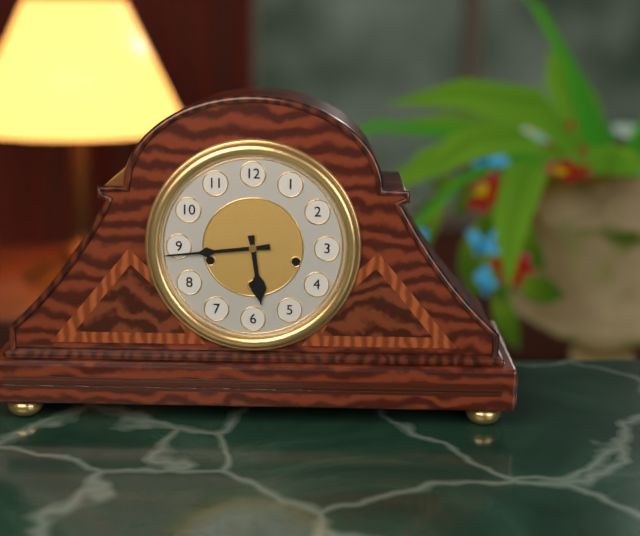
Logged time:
5,44
